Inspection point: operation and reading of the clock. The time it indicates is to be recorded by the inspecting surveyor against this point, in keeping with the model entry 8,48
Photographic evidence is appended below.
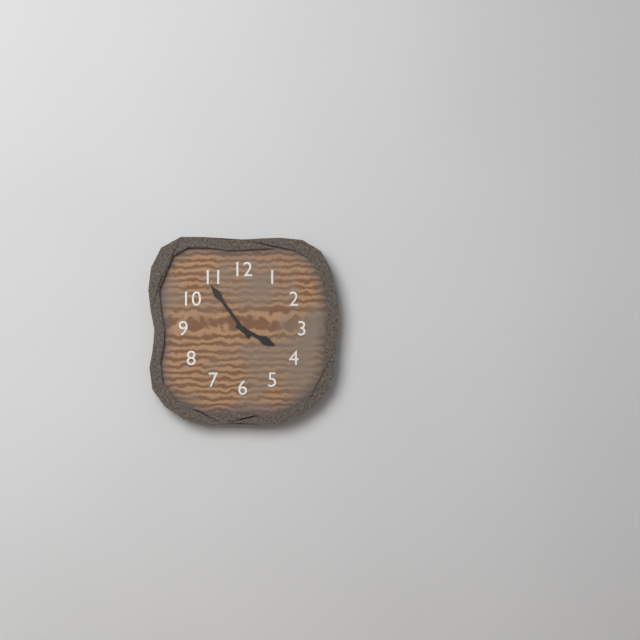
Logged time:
3,54
